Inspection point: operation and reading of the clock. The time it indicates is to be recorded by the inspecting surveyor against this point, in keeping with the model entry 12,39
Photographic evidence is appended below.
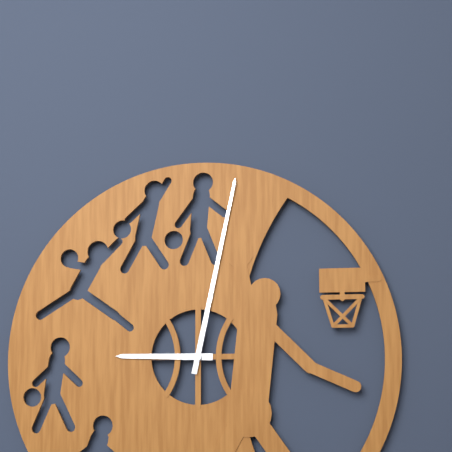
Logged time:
9,02
